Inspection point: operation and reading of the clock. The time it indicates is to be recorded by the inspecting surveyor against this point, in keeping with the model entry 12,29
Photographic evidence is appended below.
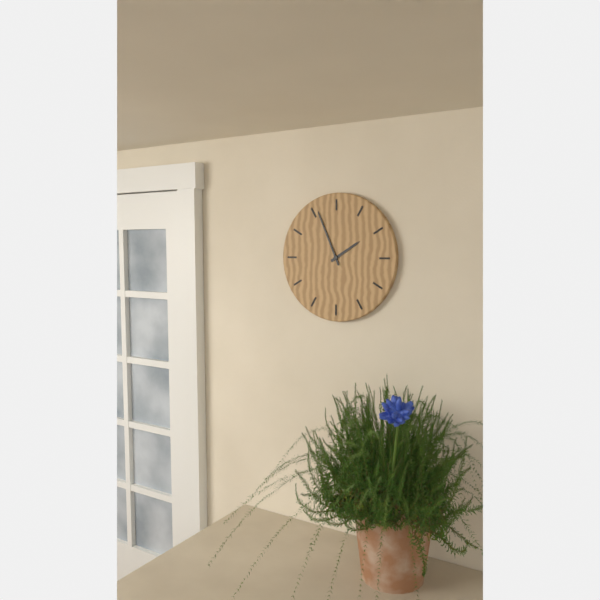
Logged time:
1,56
